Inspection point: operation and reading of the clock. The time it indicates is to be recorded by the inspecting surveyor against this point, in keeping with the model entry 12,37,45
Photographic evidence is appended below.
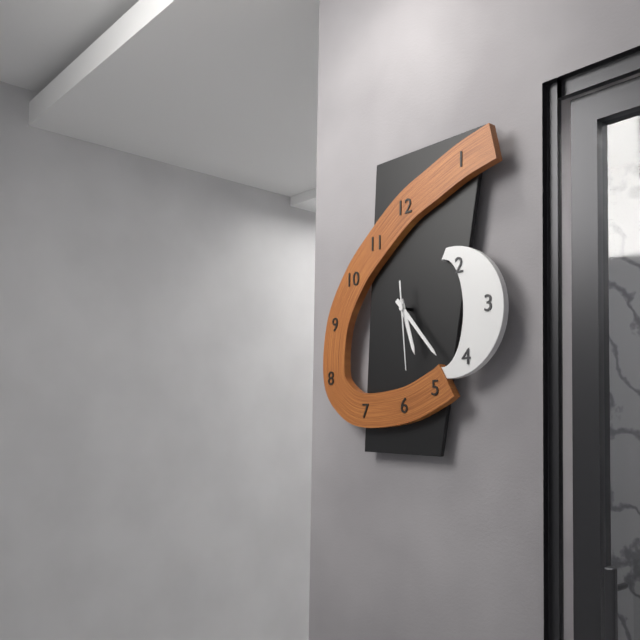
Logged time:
5,23,29
